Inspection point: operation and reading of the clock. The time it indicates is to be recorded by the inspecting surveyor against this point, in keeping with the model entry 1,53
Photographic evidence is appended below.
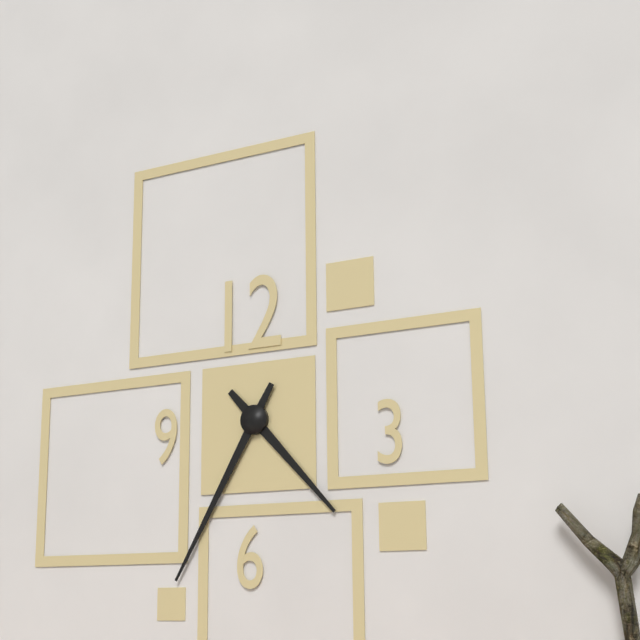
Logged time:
4,35
